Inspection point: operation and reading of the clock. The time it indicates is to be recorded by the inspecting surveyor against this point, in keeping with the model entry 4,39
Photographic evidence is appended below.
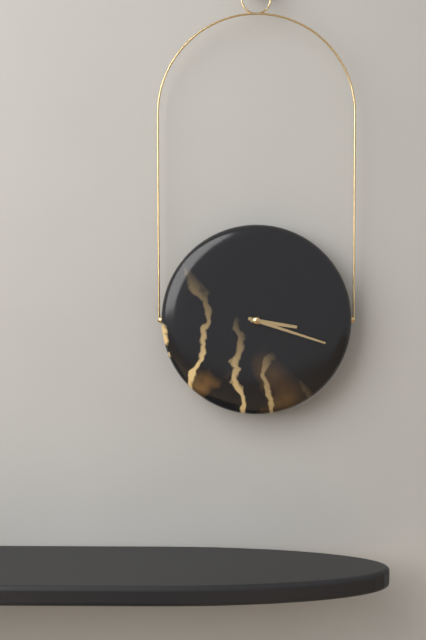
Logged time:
3,18
